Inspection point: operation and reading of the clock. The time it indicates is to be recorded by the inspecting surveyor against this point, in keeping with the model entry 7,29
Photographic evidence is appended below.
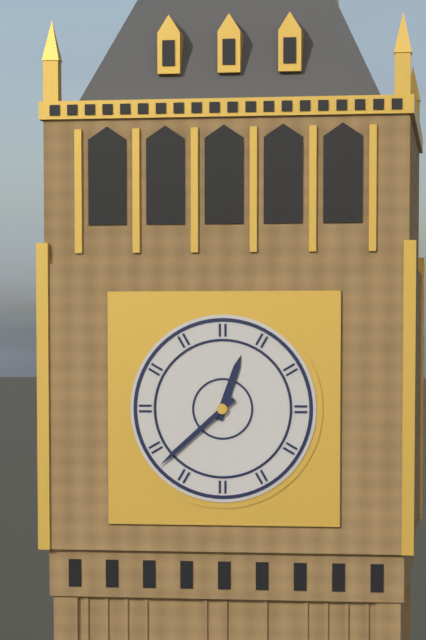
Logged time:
12,38
